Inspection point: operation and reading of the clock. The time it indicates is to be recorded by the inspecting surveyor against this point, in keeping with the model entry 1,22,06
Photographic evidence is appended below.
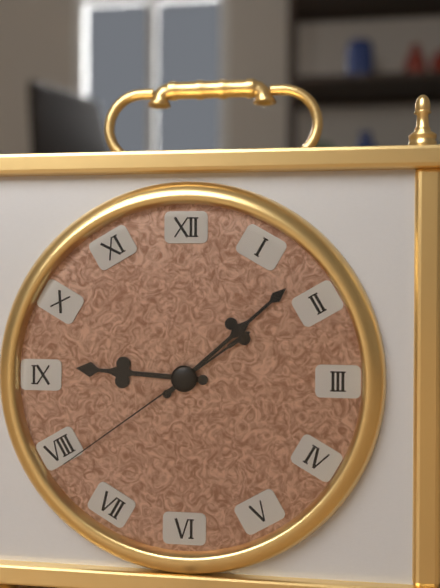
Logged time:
9,08,39
